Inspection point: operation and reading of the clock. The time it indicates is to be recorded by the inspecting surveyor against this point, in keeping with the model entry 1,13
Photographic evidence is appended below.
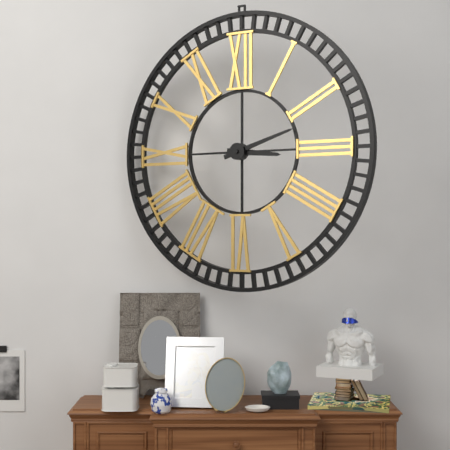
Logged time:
3,12
